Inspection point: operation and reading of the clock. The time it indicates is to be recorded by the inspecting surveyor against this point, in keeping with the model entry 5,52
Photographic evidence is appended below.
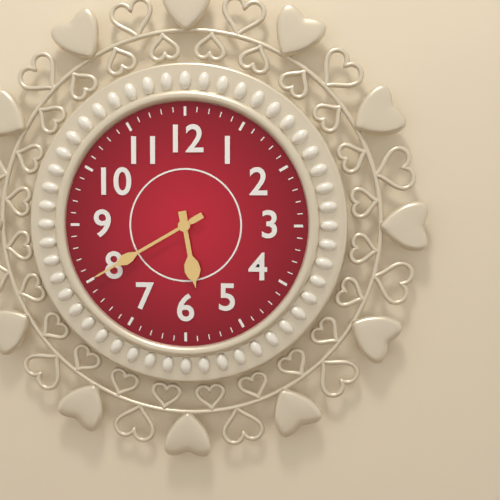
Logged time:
5,40
